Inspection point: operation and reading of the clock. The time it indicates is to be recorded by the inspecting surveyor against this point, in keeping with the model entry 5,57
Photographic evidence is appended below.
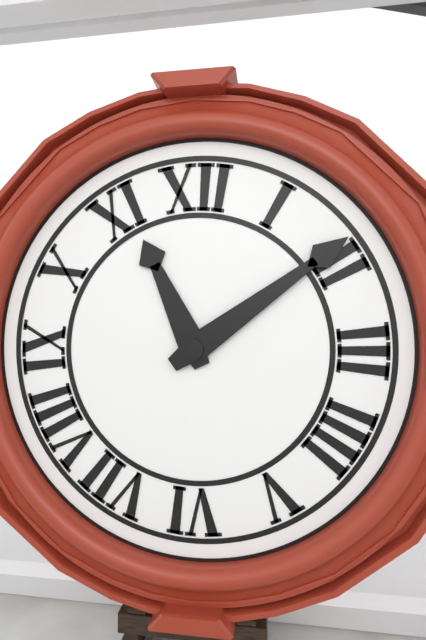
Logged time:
11,09
